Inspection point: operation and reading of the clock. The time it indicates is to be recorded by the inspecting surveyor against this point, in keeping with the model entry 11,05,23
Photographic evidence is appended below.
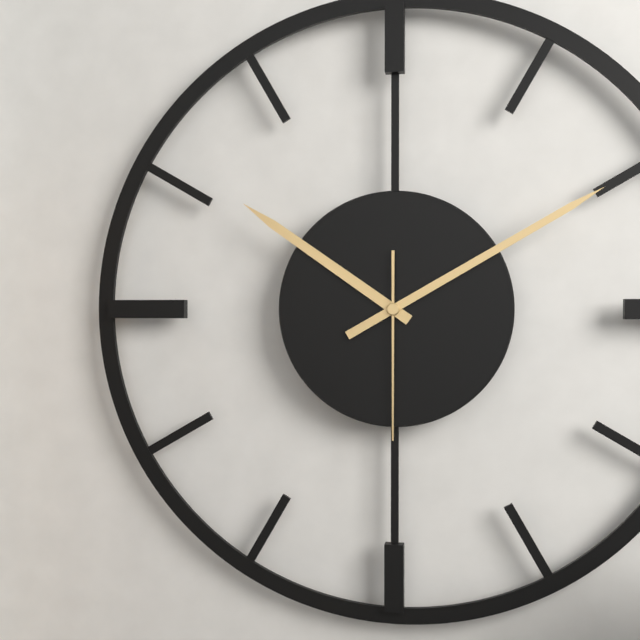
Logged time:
10,10,30
